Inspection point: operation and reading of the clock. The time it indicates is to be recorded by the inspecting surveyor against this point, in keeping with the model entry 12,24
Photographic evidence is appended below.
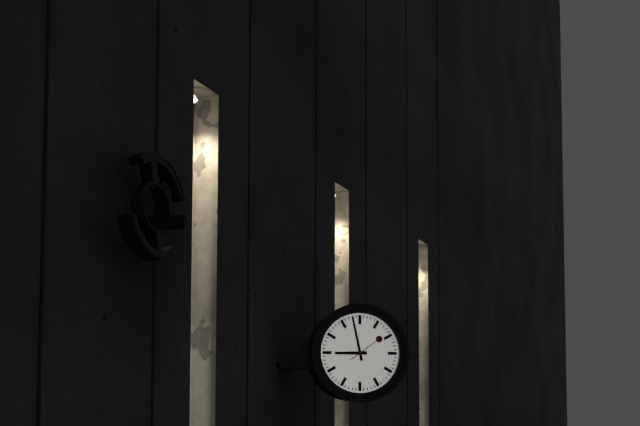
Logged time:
8,58
